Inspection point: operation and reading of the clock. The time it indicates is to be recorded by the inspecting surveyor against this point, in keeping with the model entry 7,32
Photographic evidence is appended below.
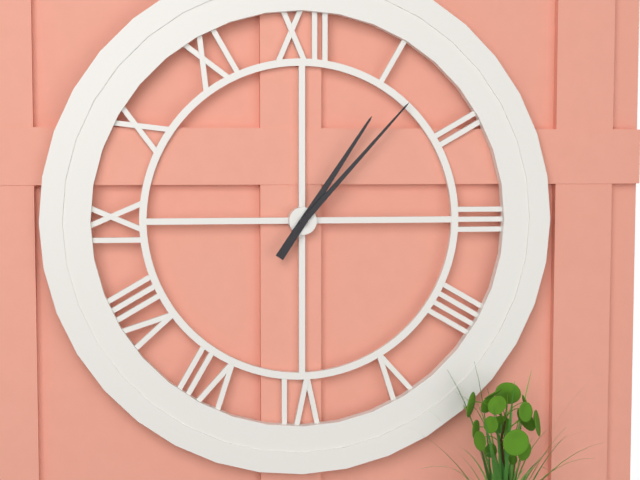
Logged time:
1,07
